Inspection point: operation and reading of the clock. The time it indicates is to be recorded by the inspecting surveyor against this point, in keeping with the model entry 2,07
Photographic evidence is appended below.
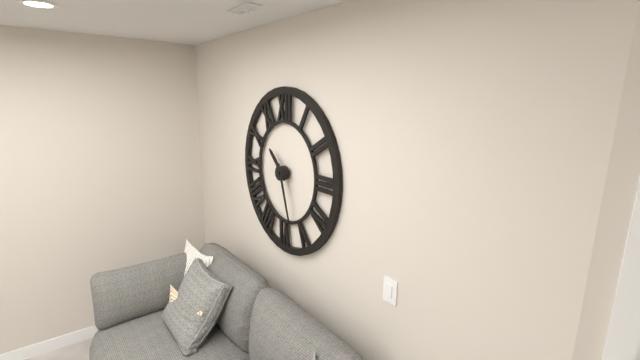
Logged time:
10,27
